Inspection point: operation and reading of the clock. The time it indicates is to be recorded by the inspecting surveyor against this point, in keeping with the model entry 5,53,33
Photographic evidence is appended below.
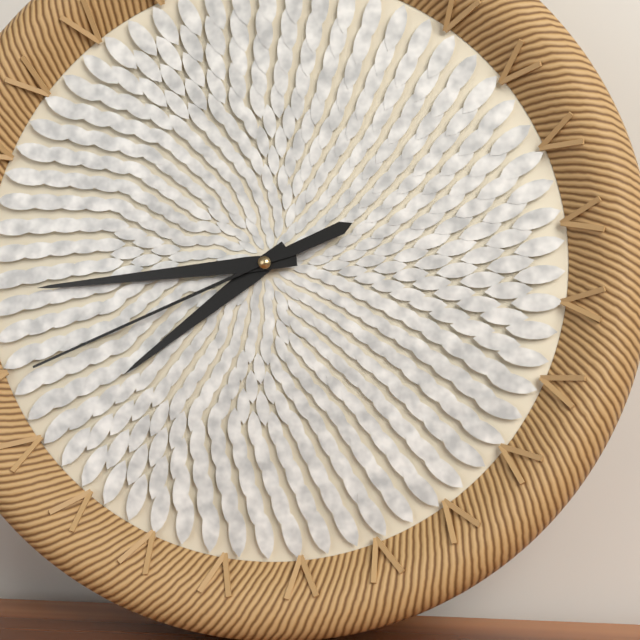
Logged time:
7,44,41
